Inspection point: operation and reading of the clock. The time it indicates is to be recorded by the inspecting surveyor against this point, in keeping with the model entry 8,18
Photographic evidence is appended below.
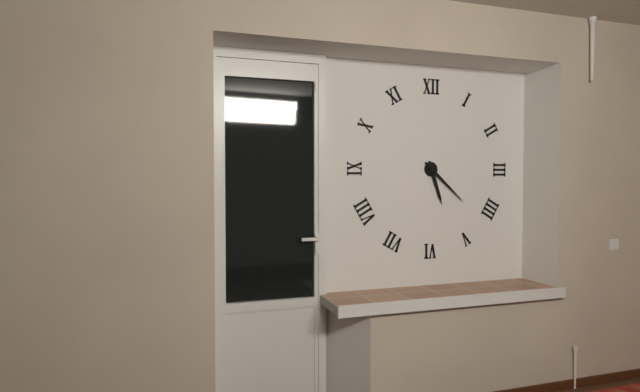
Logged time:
5,22
